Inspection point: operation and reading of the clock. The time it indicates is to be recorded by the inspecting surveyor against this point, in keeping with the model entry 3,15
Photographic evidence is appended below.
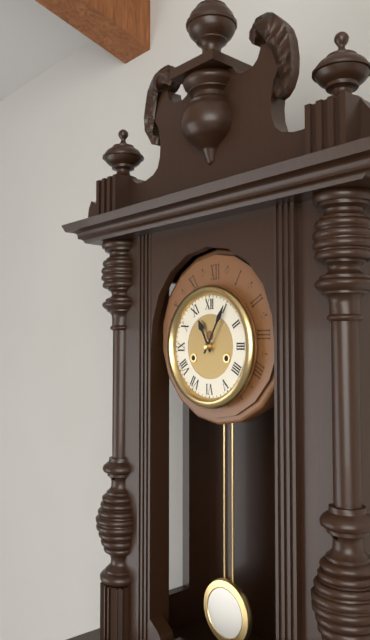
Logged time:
11,05
